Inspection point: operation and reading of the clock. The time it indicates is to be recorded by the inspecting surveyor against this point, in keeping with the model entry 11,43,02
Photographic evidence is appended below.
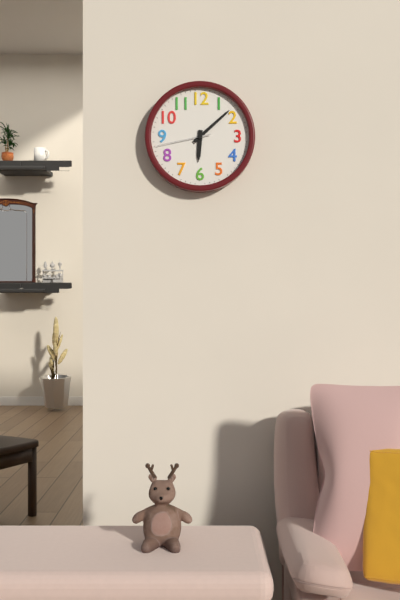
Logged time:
6,08,43
